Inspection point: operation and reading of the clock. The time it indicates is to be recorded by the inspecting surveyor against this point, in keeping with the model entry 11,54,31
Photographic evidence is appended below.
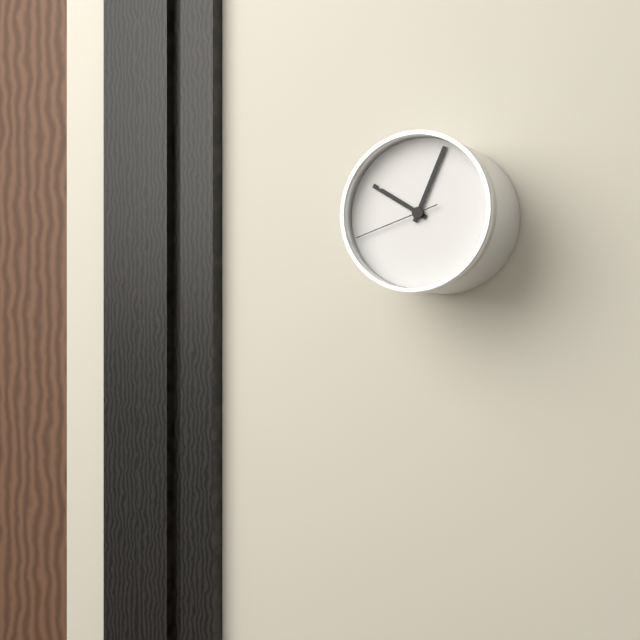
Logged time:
10,04,42
